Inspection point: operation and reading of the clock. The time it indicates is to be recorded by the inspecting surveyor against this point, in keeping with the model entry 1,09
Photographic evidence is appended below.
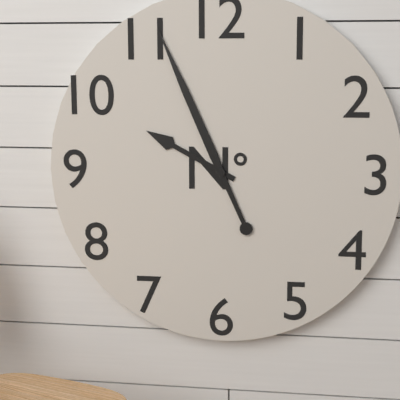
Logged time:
9,56
